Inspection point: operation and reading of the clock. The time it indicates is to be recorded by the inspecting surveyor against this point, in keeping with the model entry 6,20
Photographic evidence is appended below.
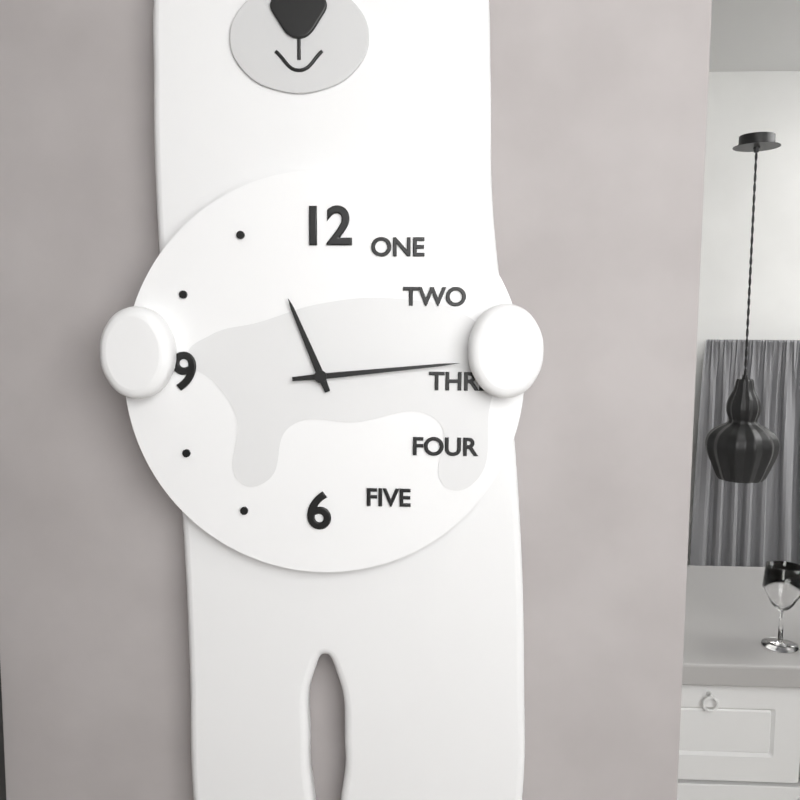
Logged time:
11,14
